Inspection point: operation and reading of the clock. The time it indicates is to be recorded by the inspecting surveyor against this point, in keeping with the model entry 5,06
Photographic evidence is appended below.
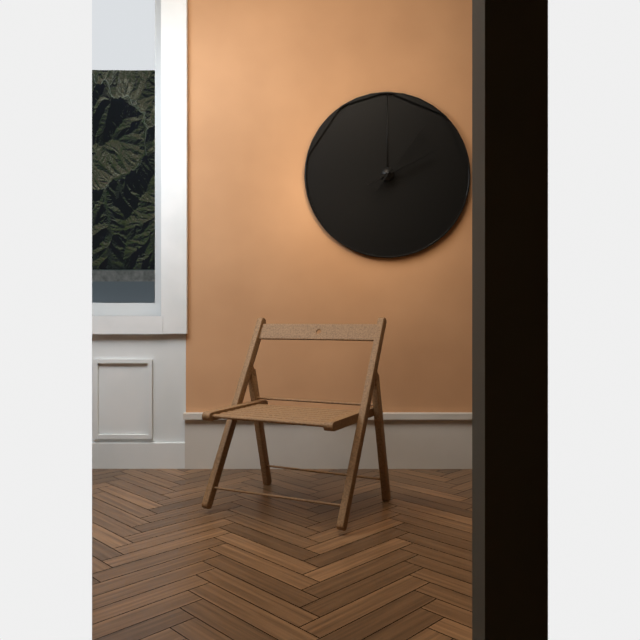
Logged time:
2,06
